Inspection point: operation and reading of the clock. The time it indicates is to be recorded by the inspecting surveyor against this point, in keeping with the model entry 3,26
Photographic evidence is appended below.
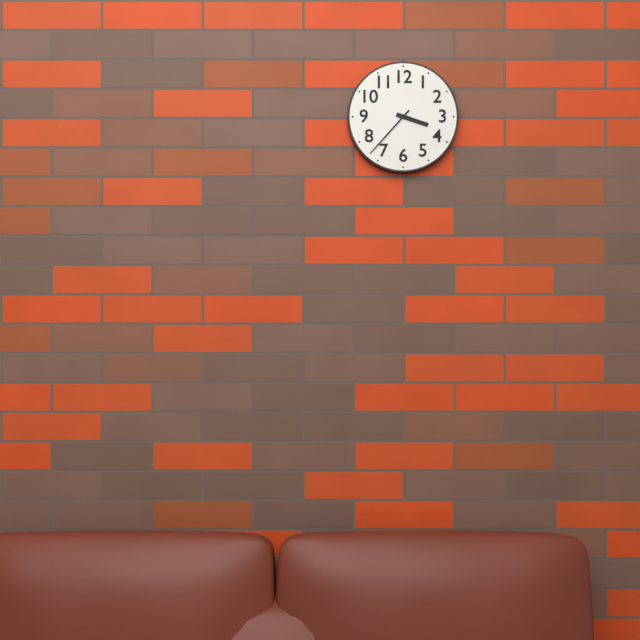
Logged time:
3,37
